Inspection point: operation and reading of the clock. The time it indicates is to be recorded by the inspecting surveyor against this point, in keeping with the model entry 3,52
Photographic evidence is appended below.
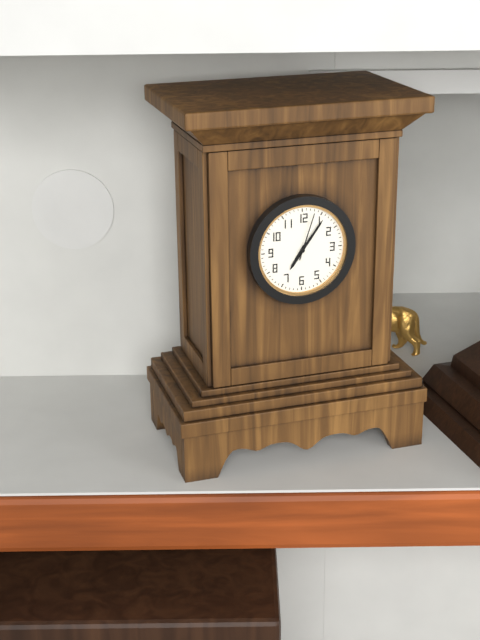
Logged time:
7,06
